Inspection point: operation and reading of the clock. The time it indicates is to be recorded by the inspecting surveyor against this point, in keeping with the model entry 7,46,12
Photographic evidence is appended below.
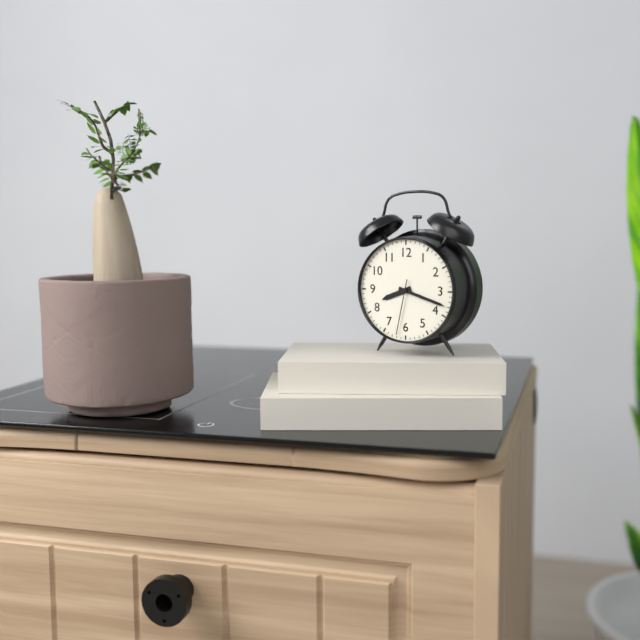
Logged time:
8,18,32
